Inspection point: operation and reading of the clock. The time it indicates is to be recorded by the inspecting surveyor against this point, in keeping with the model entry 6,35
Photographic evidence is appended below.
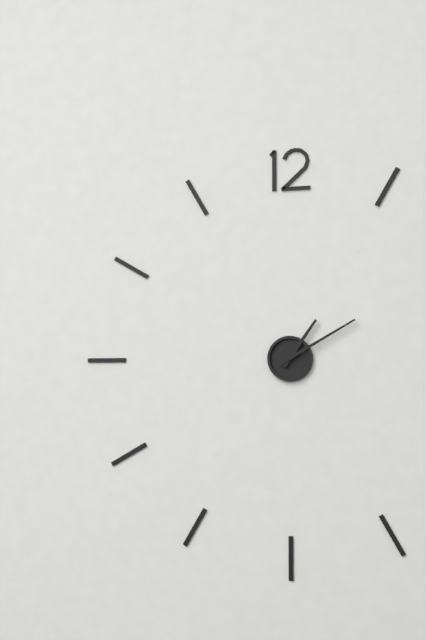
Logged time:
1,10
